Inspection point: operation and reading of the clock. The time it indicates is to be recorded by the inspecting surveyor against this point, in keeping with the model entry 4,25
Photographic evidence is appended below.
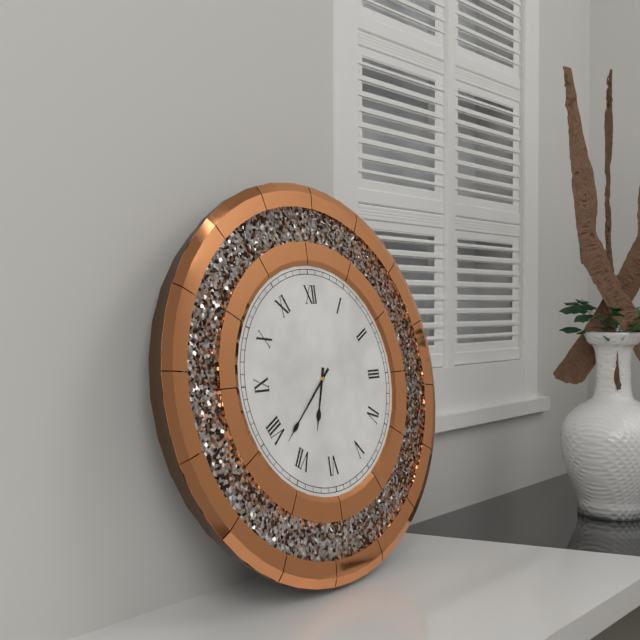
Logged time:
6,38
